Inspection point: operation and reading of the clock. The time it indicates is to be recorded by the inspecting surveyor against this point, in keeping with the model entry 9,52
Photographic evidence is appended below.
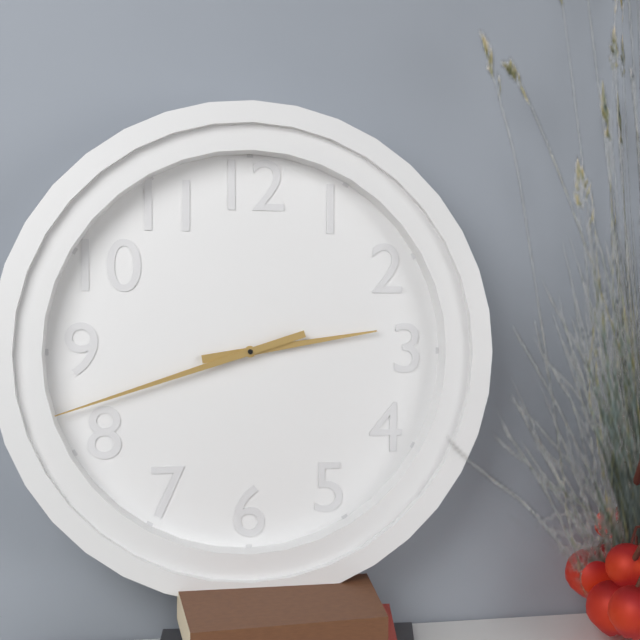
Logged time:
2,42
